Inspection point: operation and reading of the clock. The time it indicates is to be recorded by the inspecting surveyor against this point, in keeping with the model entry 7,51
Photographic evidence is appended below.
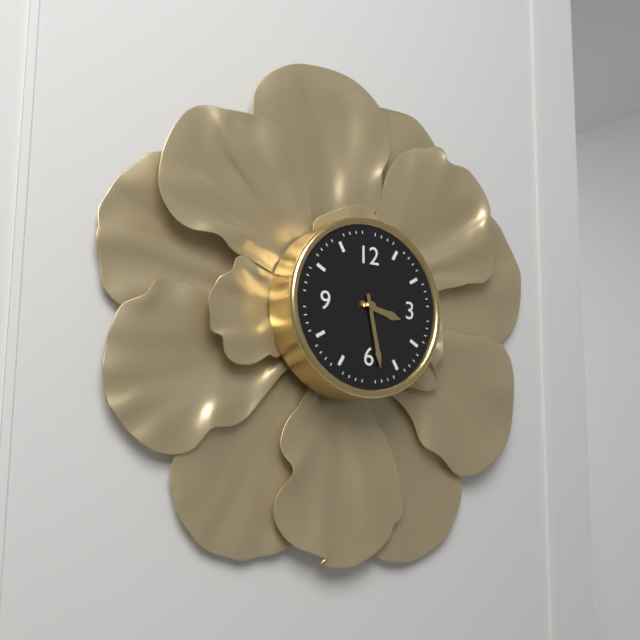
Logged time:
3,28
